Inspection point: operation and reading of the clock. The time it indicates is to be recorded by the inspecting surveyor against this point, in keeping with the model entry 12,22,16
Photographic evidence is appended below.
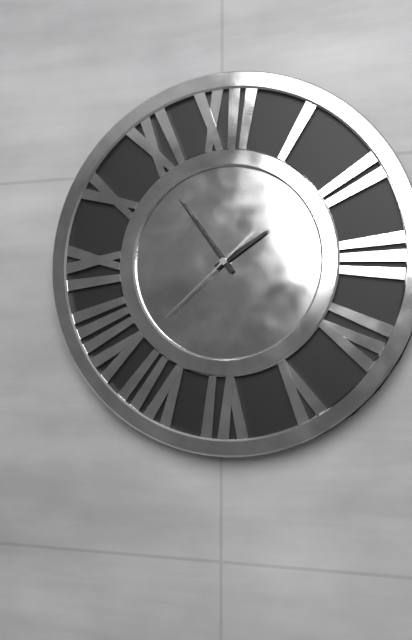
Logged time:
1,54,38
